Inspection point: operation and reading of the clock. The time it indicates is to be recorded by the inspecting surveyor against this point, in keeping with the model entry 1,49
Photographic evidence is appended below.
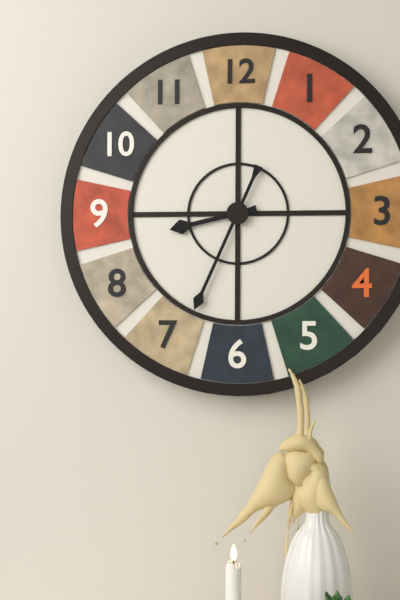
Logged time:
8,34
